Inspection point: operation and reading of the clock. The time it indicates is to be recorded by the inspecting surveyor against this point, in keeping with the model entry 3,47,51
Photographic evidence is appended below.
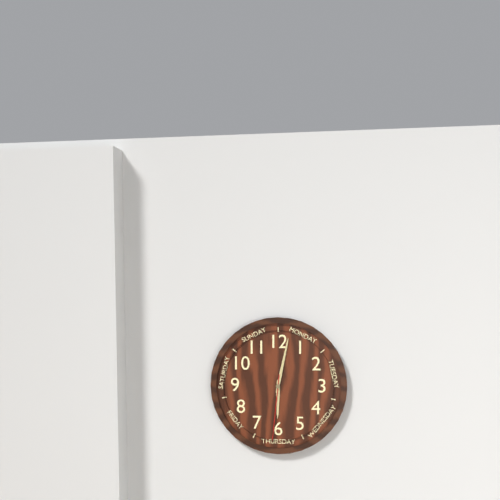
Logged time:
6,02,31
